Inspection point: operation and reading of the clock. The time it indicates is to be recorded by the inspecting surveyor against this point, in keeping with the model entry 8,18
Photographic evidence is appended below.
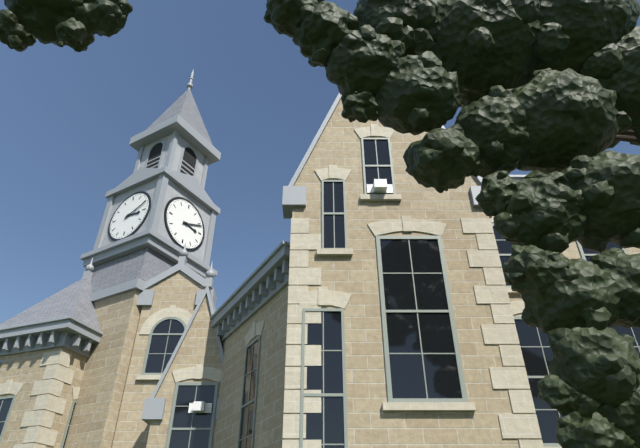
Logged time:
3,11
